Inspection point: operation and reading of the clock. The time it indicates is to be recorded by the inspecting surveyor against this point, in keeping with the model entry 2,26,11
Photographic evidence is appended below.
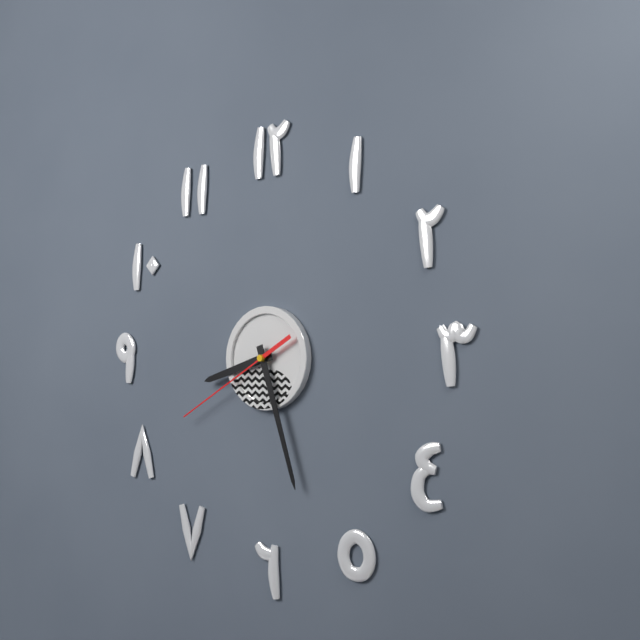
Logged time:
8,27,40
